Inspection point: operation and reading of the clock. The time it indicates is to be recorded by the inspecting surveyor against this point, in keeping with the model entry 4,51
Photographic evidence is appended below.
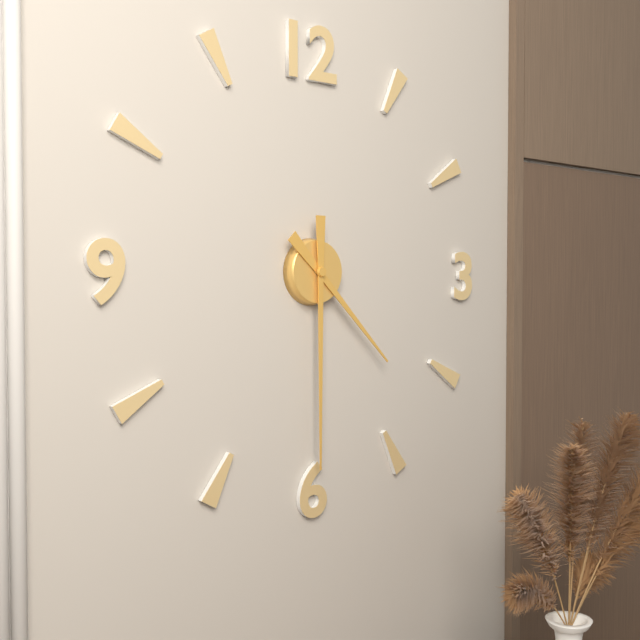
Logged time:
4,30
